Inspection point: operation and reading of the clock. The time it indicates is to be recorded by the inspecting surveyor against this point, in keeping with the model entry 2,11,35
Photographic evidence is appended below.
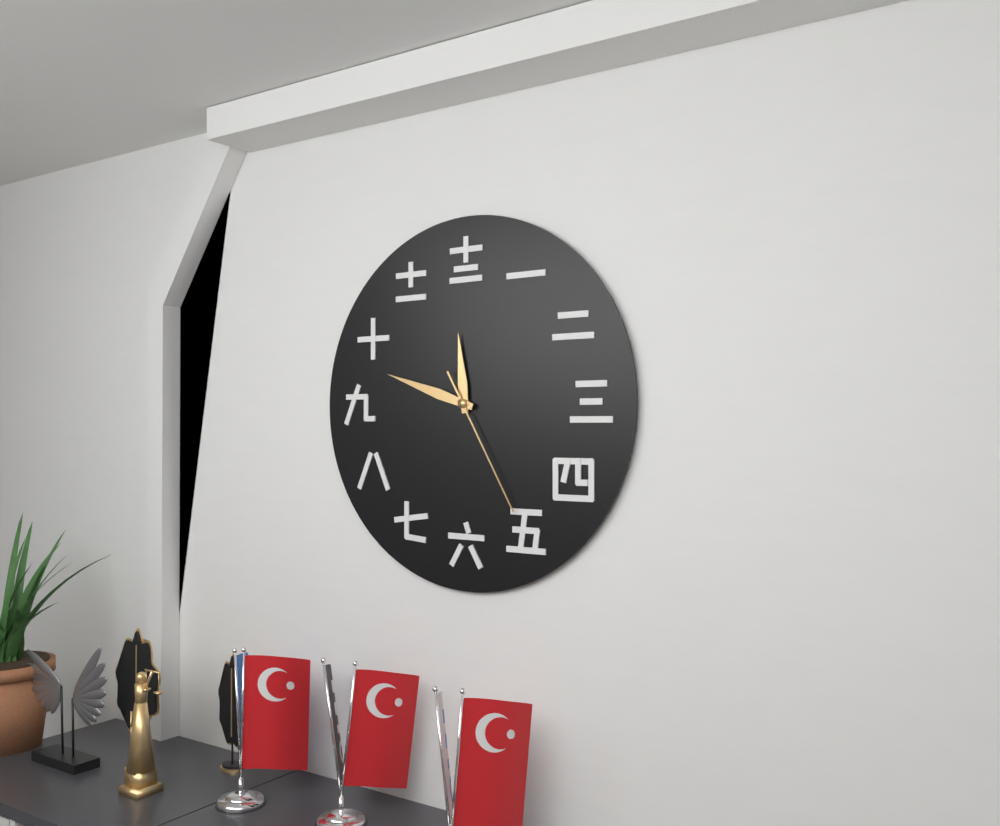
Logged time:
11,48,25
